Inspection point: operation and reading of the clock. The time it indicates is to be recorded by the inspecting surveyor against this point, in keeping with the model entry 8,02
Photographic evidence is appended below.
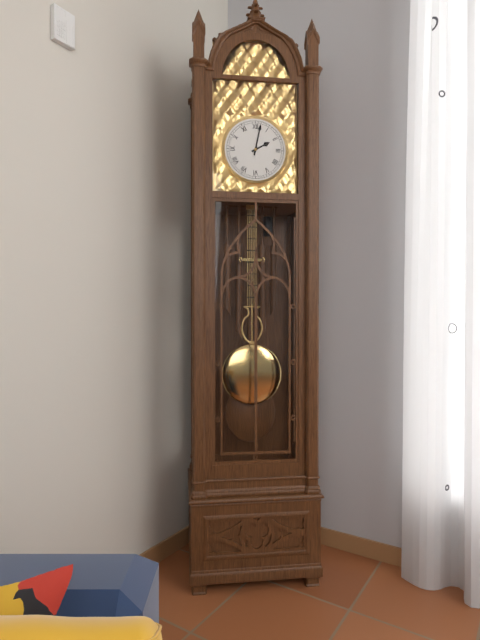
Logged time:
2,02
